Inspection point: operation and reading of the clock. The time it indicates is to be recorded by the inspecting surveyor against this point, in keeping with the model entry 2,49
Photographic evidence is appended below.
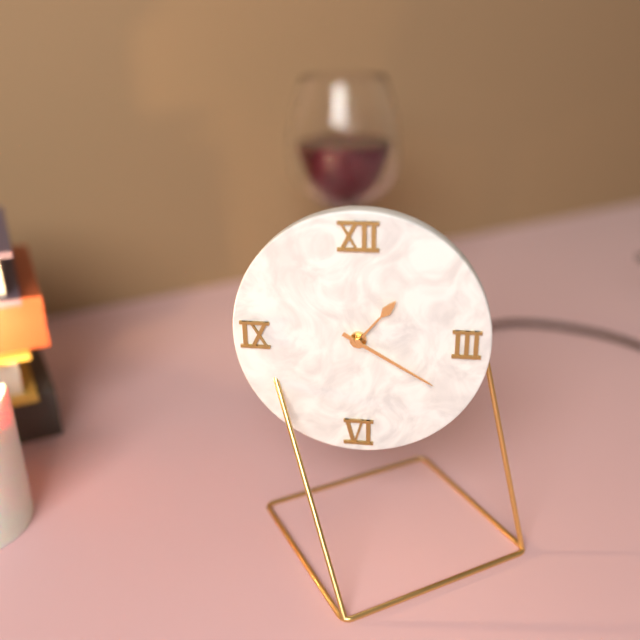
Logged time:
1,20
